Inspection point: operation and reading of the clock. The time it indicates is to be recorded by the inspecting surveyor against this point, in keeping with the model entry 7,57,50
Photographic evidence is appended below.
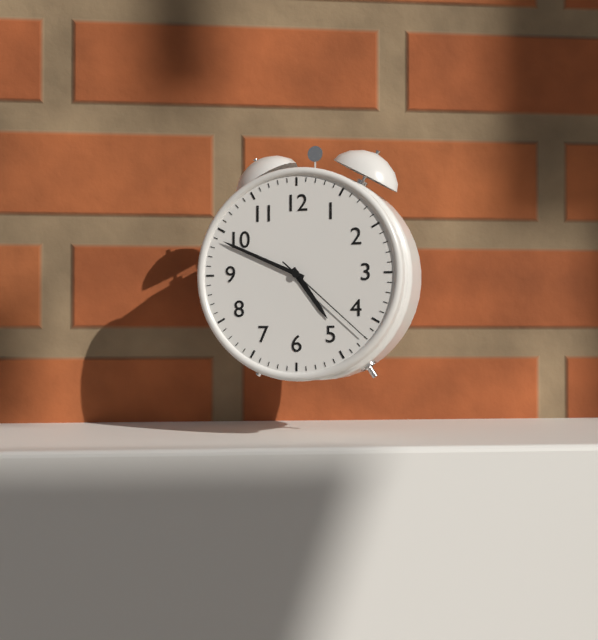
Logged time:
4,49,22
